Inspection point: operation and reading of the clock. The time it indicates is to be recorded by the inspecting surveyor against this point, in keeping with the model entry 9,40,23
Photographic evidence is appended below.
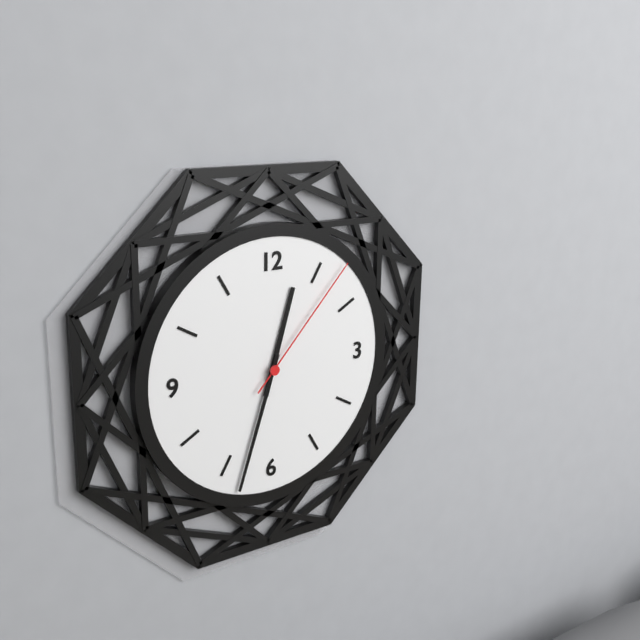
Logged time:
12,33,07
